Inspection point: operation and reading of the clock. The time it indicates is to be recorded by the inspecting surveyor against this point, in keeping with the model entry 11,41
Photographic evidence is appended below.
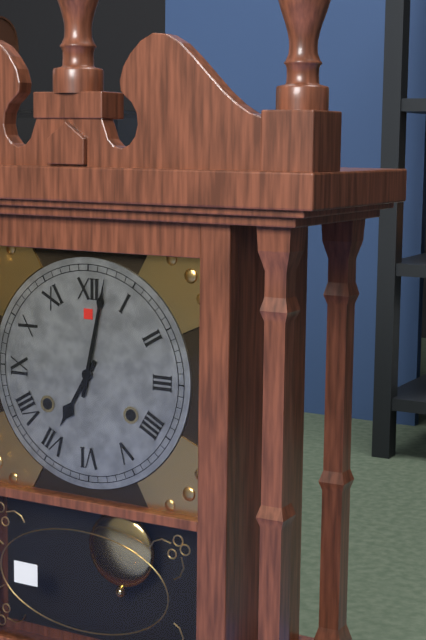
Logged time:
7,02
